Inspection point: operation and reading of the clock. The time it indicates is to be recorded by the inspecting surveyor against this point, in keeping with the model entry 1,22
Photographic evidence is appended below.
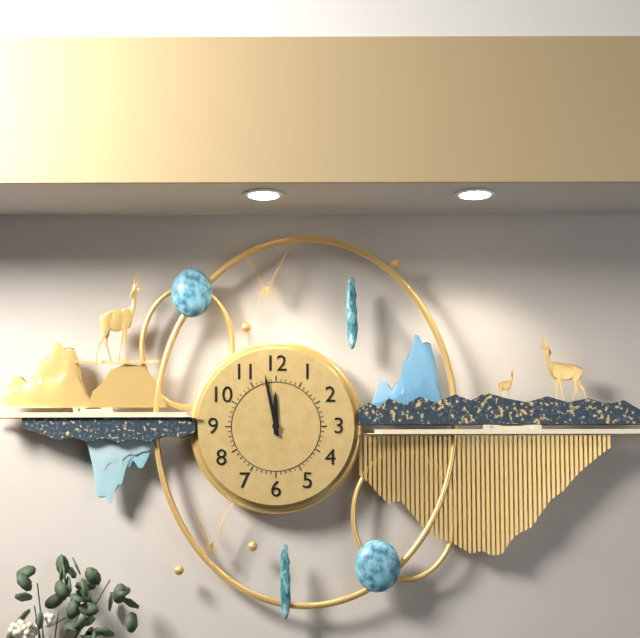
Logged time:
11,58
